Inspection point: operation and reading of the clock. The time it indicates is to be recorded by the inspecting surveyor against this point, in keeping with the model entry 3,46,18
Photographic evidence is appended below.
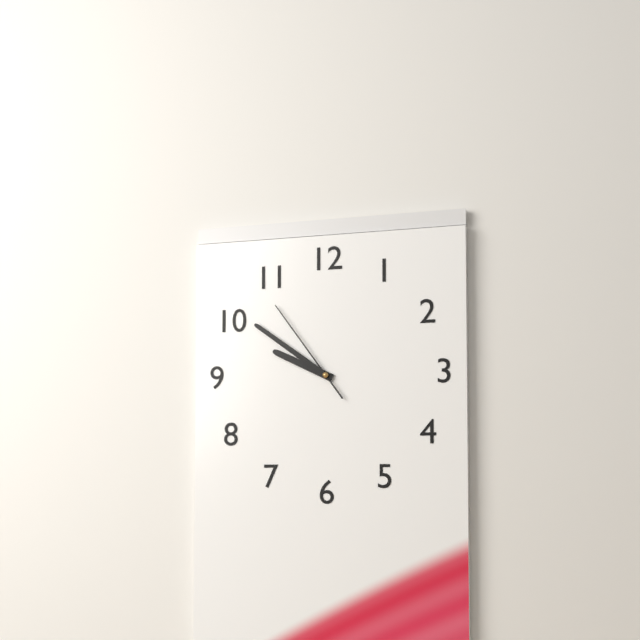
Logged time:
9,51,54
